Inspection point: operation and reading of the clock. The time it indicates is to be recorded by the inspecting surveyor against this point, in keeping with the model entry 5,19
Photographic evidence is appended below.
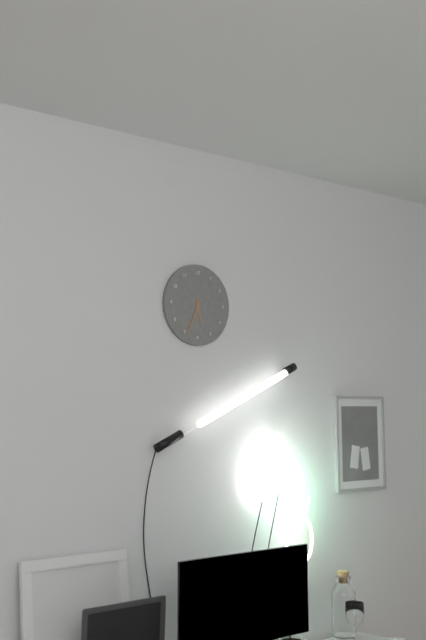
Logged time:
5,34
